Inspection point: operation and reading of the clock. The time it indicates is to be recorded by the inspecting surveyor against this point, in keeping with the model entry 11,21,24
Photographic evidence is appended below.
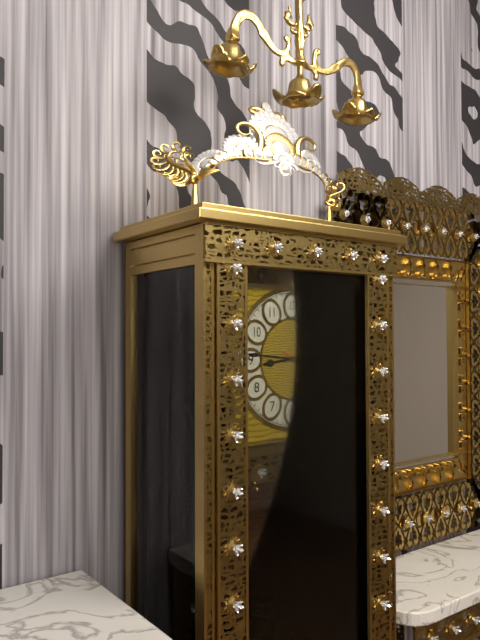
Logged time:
8,46,20
